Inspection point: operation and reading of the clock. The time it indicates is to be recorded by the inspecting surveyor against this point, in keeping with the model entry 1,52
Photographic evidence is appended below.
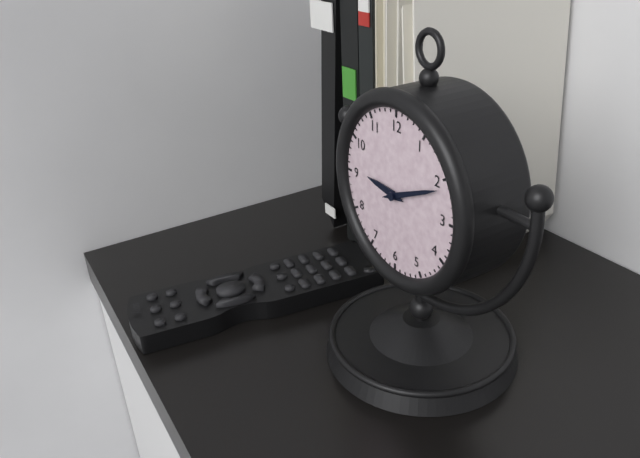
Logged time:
9,11
